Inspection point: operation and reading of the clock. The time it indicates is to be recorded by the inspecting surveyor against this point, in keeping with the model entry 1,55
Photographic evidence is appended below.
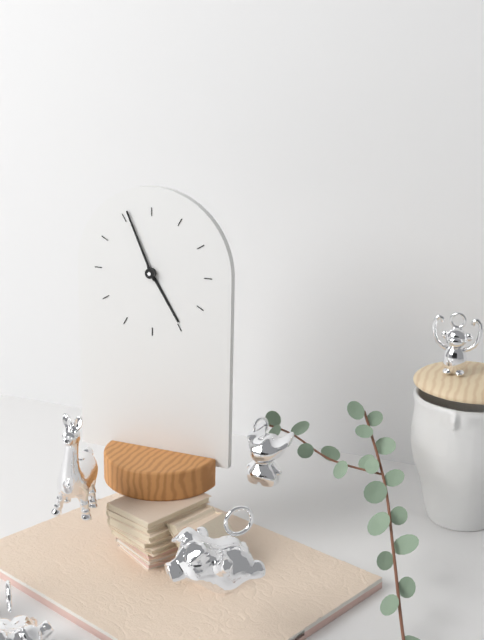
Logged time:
4,56
